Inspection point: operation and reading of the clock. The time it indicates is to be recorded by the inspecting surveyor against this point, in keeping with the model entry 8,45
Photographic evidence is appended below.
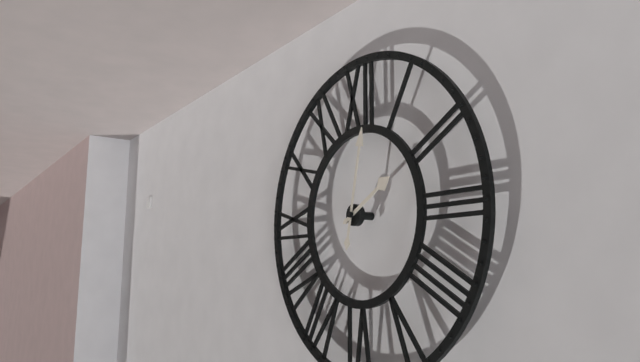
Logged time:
2,02
